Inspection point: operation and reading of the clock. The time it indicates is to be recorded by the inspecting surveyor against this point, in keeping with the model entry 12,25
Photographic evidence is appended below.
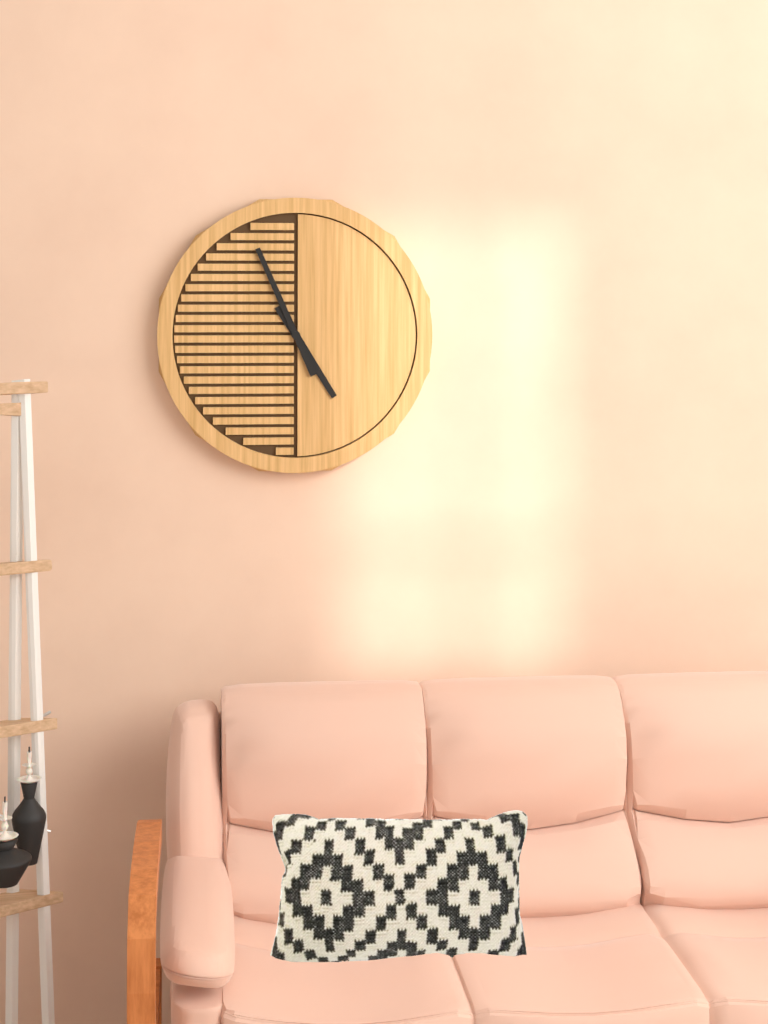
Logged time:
4,56
